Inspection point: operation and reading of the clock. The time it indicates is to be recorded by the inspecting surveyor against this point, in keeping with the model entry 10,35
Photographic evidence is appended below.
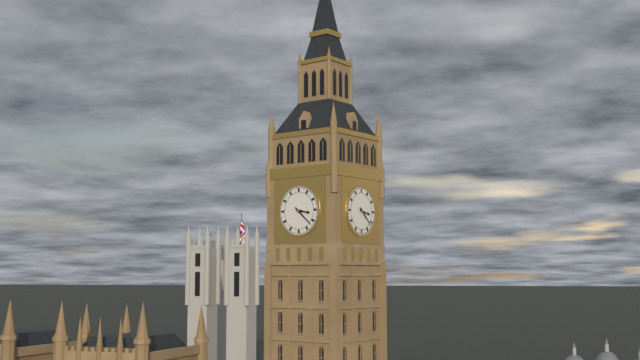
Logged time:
3,22
